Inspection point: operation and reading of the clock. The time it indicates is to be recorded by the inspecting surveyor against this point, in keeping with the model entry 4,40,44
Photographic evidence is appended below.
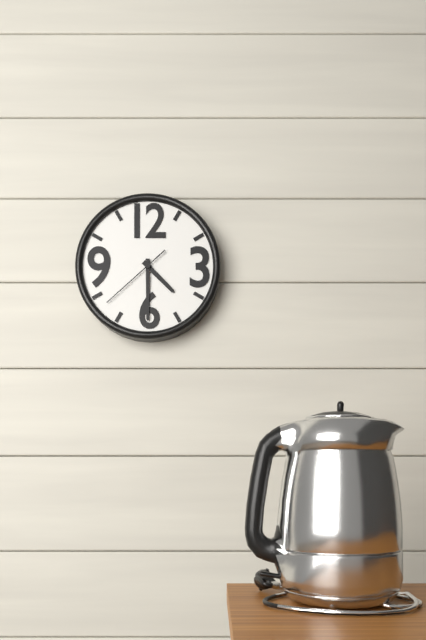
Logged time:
4,30,38
